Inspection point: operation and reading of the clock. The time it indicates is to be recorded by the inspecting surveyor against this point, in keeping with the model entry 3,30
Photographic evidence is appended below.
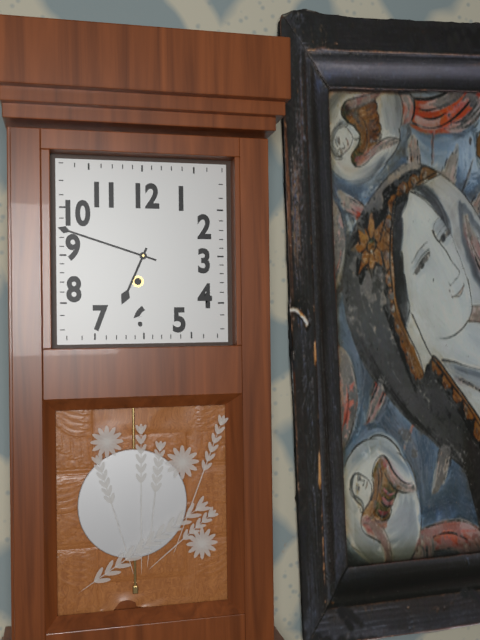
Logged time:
6,48
